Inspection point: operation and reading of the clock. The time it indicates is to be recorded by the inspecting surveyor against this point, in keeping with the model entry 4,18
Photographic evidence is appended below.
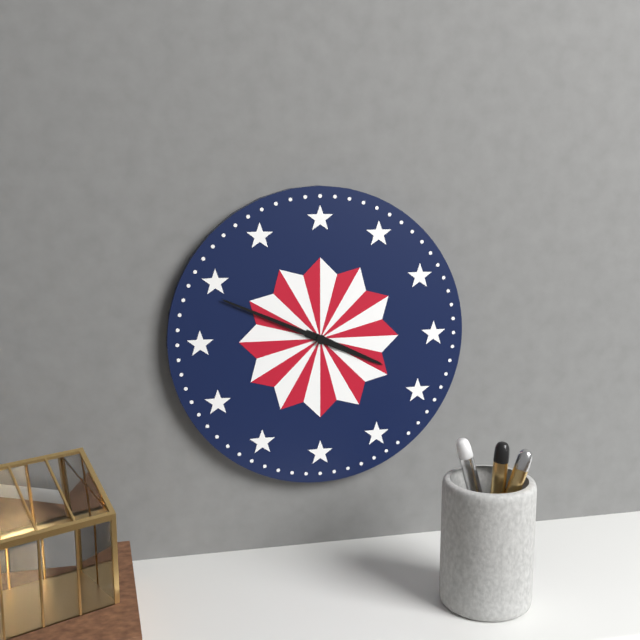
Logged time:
3,49
